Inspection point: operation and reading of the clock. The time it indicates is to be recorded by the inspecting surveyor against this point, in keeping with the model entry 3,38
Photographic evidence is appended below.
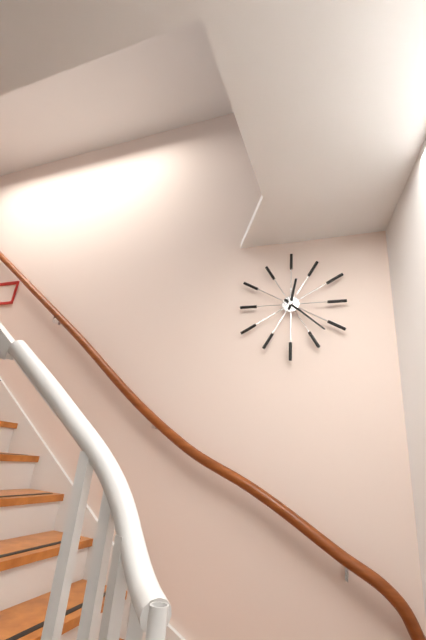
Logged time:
12,22
